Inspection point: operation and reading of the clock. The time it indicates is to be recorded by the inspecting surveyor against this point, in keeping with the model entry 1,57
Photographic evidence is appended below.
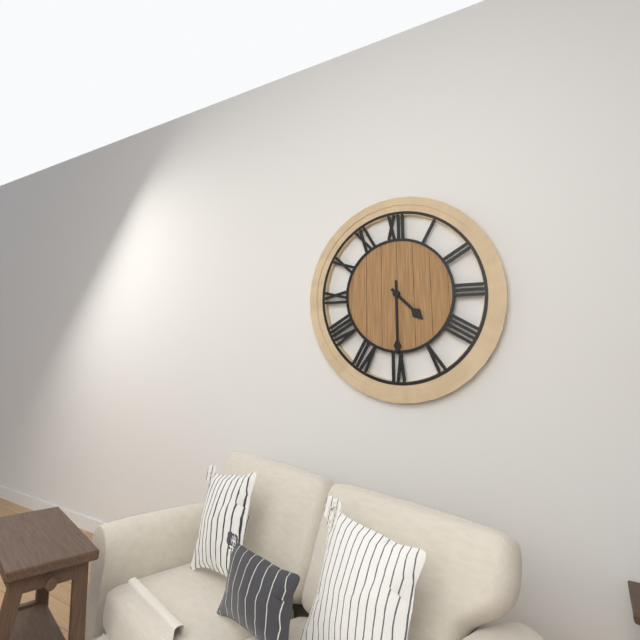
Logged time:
4,30
